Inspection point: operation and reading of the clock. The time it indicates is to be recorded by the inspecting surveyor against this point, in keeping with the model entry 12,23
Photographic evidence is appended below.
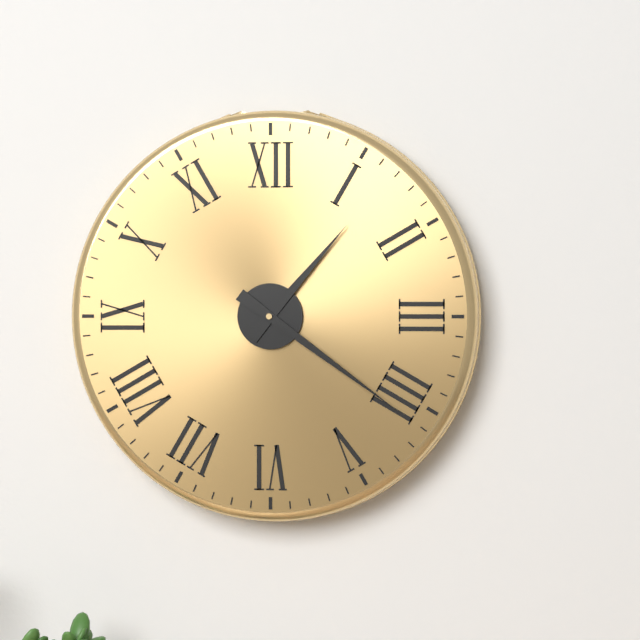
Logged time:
1,21
